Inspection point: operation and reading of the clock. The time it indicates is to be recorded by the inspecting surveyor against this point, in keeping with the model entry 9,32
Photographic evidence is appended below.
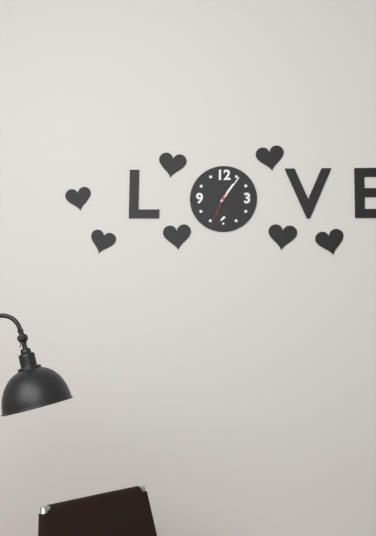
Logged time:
1,06
